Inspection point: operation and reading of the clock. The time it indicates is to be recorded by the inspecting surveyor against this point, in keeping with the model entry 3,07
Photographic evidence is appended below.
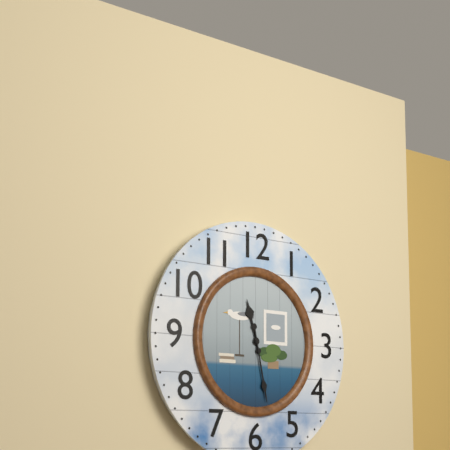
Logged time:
11,28
